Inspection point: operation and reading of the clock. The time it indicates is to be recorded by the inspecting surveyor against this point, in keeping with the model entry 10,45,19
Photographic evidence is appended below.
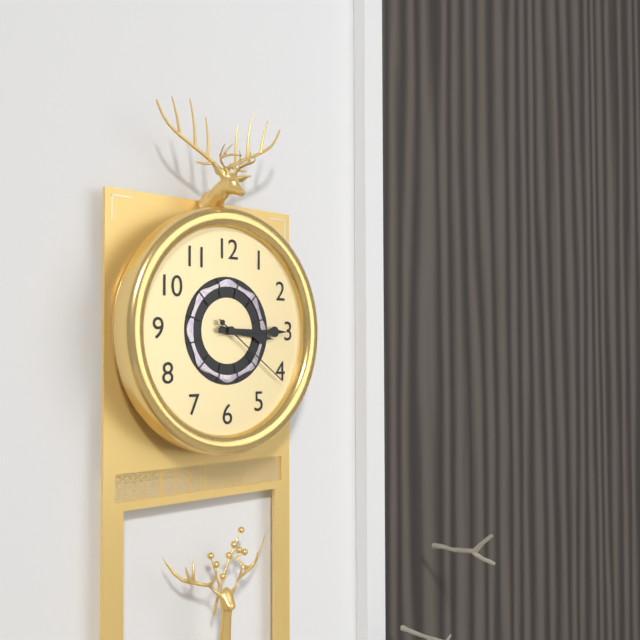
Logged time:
3,15,21
